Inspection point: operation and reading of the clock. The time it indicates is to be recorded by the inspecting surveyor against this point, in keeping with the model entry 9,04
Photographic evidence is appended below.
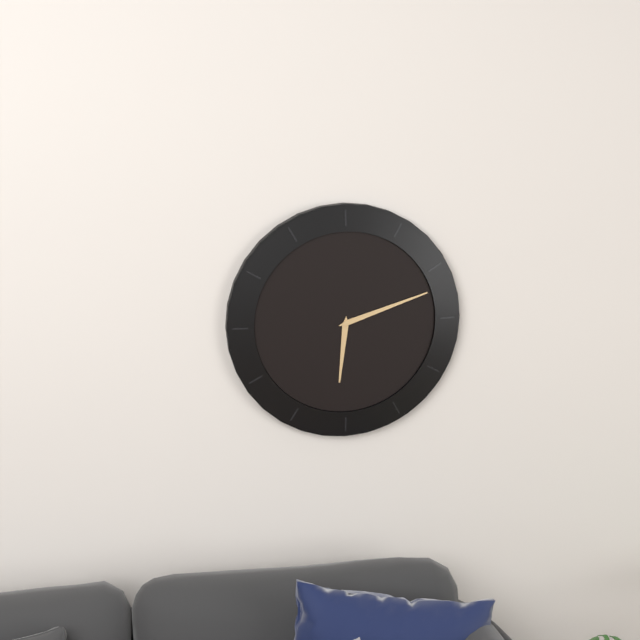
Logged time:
6,12
